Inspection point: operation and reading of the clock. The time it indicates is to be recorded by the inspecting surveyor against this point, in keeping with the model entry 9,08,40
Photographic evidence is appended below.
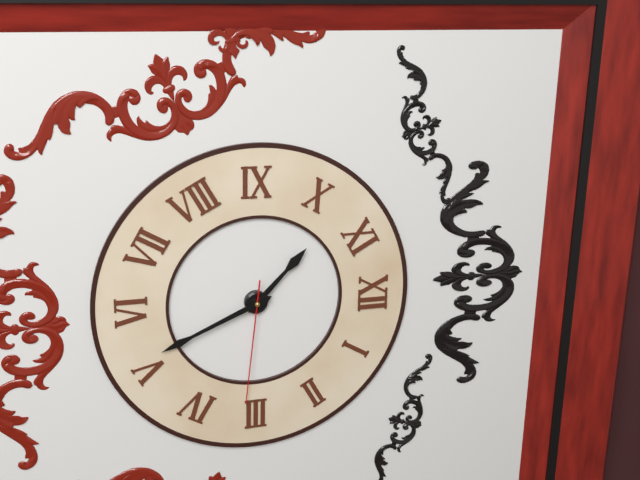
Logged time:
10,26,16
